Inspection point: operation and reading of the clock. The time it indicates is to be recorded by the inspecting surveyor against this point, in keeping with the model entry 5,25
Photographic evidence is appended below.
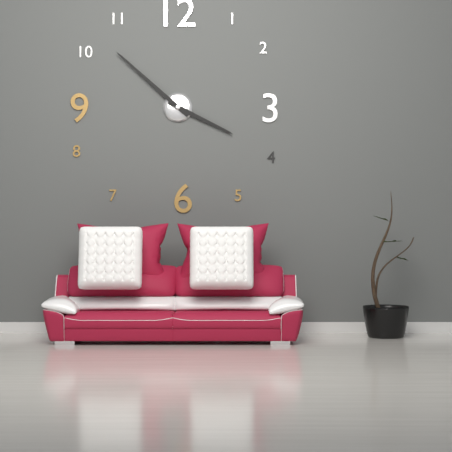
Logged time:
3,52
